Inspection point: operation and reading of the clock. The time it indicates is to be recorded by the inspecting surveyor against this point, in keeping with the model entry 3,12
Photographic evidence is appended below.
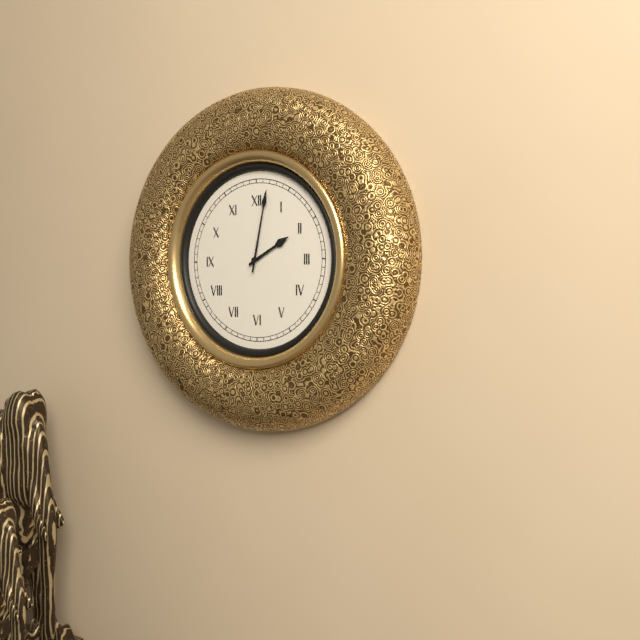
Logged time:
2,02
